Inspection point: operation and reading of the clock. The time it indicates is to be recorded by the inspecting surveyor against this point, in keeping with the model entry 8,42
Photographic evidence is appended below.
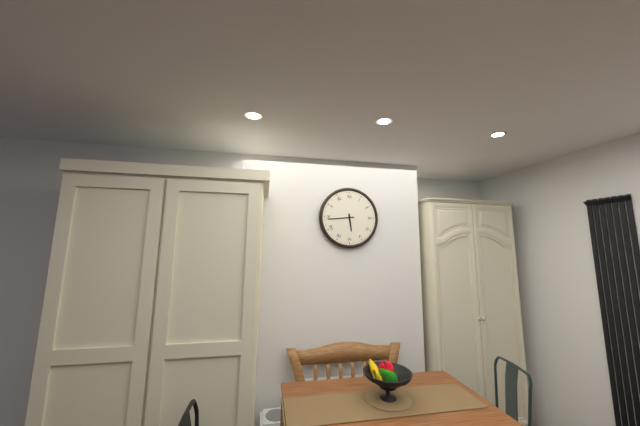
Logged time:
5,44
